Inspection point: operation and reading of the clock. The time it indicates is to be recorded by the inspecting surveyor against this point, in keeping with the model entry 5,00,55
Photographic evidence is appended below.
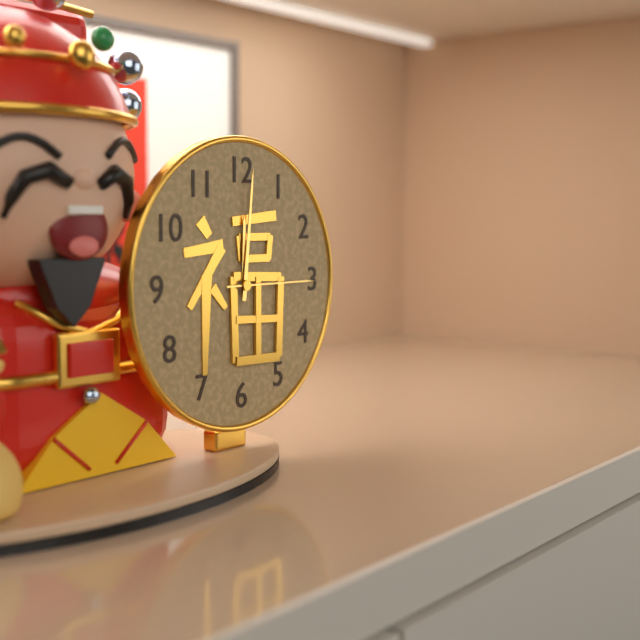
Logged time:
12,01,15
